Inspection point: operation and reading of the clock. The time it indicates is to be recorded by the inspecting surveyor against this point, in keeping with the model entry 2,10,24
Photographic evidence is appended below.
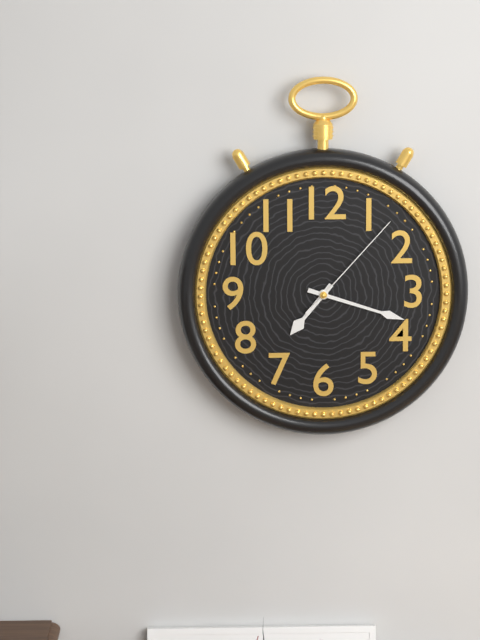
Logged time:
7,18,07
